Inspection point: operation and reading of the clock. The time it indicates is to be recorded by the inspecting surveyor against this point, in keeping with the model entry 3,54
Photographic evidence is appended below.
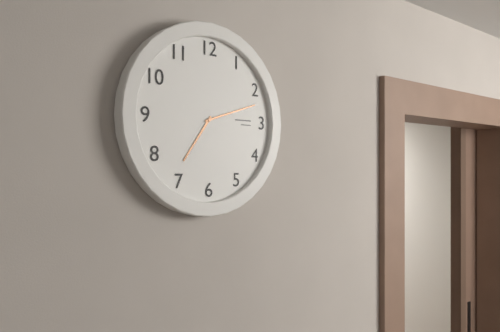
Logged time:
7,12
